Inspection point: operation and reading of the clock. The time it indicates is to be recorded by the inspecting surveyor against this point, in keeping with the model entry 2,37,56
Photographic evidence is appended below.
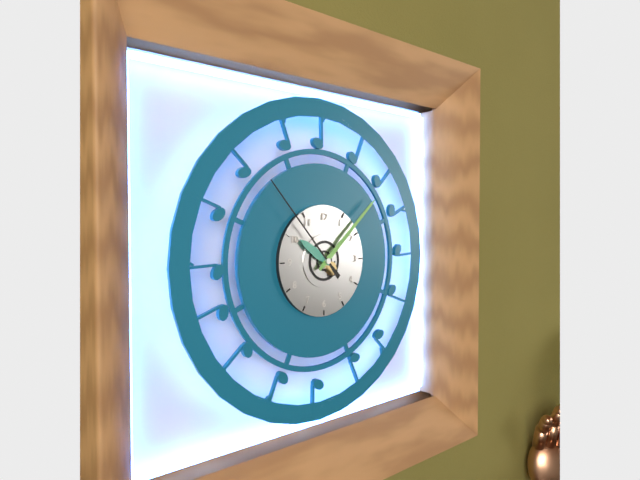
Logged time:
10,08,53
